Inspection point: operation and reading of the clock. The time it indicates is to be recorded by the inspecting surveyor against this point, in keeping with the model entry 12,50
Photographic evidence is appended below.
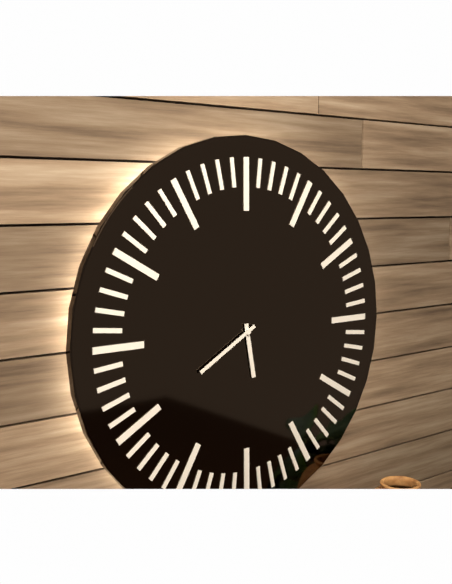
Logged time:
5,40
